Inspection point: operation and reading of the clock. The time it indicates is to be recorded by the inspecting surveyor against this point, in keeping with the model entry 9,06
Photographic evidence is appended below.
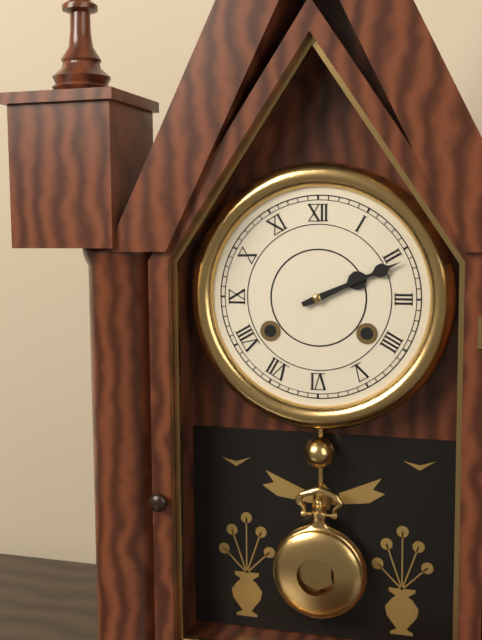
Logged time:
2,11
